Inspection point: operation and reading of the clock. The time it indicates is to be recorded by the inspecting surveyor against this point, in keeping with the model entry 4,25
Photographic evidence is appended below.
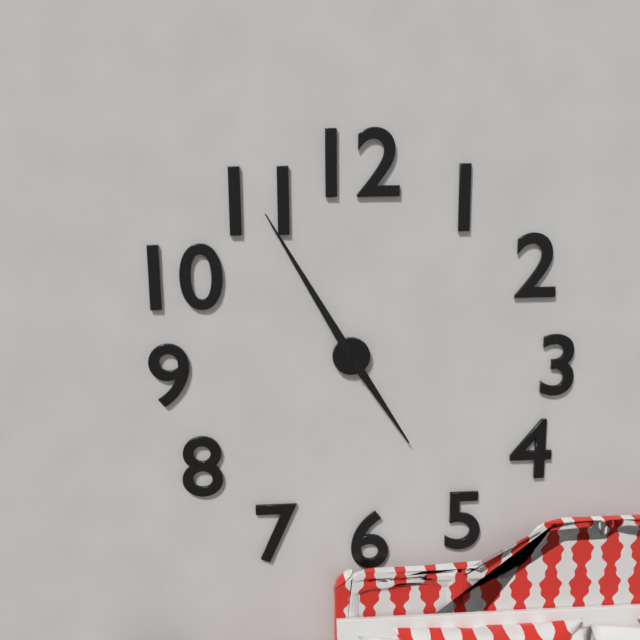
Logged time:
4,55
